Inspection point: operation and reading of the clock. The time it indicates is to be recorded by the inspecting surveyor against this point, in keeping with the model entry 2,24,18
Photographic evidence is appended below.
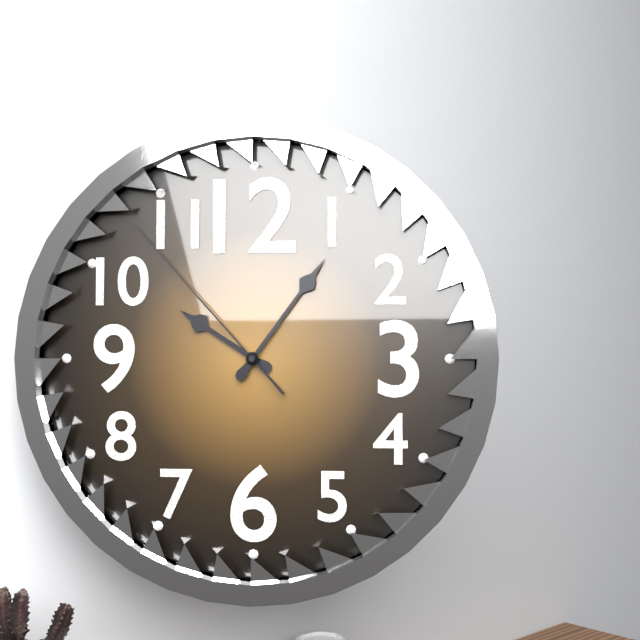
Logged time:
10,06,53
